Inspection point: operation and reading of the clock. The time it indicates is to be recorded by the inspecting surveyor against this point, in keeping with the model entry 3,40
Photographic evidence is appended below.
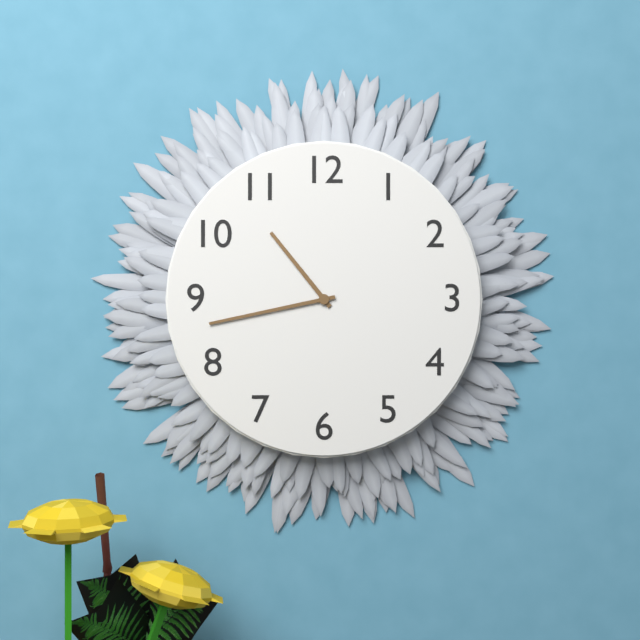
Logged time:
10,43
